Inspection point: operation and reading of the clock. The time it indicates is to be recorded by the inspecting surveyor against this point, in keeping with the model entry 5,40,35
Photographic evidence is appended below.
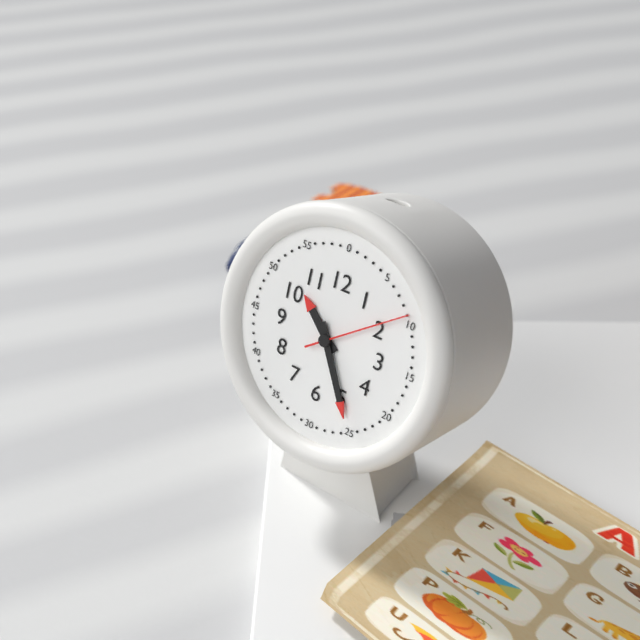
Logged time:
10,25,09
